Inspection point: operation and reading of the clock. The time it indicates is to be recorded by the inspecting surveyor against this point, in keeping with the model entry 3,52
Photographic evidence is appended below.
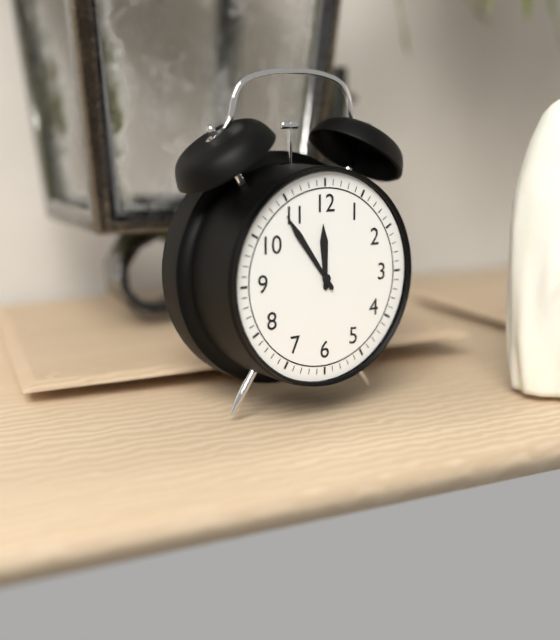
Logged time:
11,54
